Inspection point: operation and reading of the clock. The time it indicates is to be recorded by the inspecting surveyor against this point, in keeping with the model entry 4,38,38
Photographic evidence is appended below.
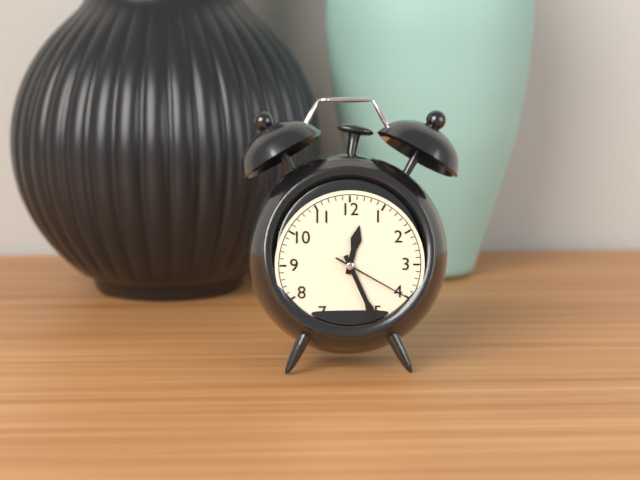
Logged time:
12,26,20
